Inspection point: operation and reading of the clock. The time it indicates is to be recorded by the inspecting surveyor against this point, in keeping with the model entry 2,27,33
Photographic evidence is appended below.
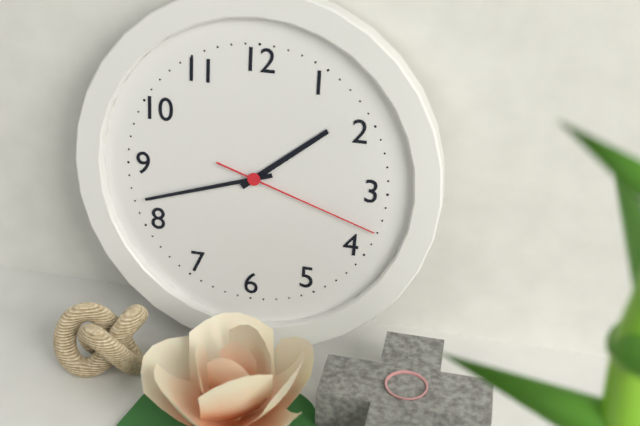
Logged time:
1,42,18
